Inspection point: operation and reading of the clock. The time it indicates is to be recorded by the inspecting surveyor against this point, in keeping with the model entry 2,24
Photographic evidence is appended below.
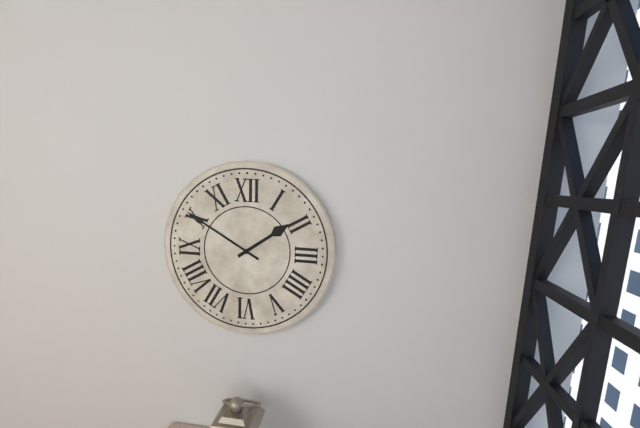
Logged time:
1,50
